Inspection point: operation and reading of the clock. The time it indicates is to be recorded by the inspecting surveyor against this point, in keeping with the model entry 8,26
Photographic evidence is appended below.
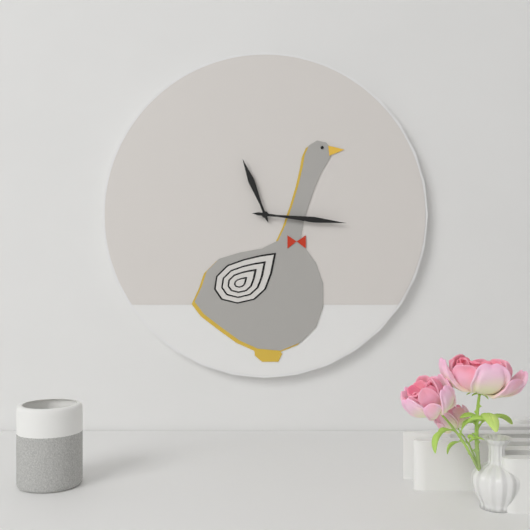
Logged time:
11,16
